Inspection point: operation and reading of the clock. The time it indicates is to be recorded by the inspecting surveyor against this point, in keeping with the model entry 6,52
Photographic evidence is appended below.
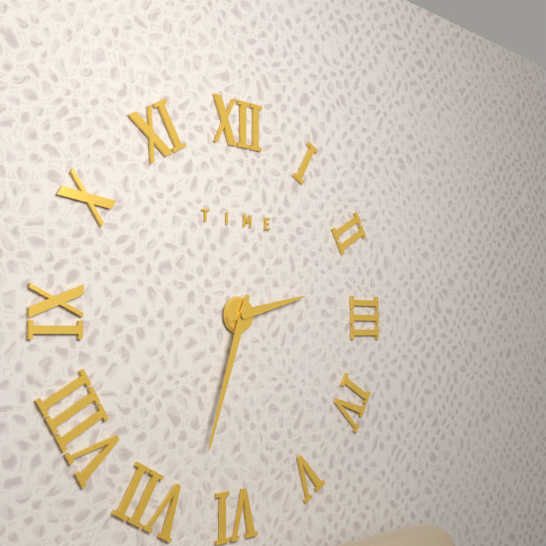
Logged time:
2,33
